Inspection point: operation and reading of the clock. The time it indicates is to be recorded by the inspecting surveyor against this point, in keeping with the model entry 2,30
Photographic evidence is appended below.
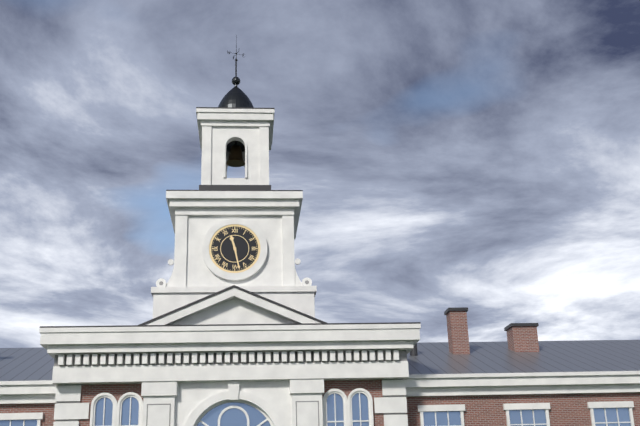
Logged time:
11,28
